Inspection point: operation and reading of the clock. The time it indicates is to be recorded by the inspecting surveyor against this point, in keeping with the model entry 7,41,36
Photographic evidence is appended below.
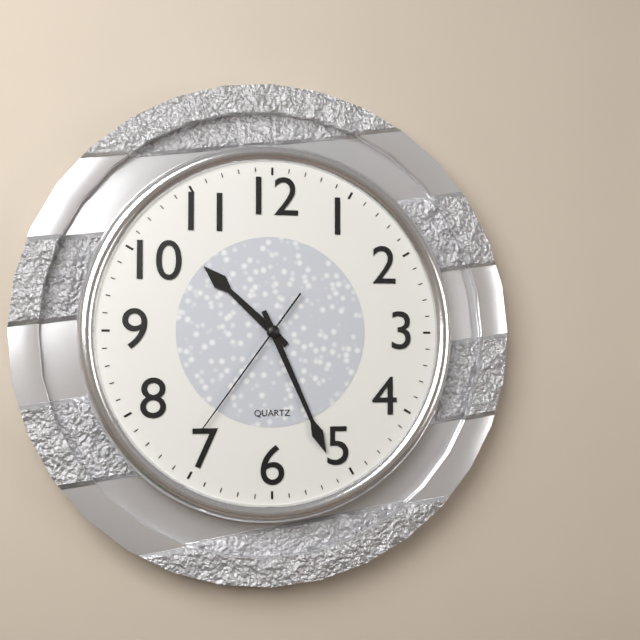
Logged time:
10,26,36
